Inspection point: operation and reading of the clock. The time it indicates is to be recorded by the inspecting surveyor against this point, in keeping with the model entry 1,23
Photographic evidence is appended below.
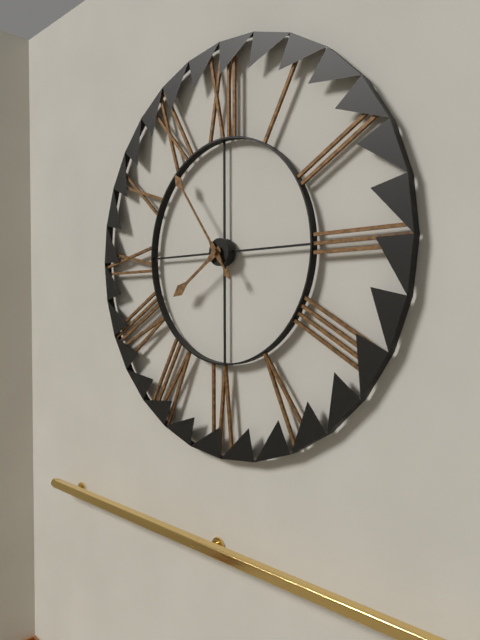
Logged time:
7,54
